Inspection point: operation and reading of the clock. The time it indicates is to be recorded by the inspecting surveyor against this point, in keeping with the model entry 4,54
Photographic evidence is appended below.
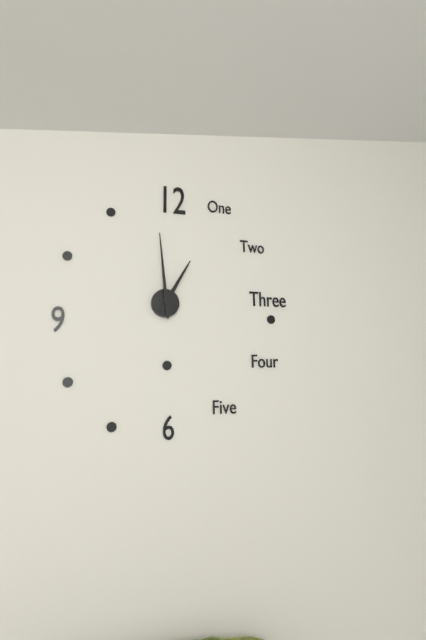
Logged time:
12,59
